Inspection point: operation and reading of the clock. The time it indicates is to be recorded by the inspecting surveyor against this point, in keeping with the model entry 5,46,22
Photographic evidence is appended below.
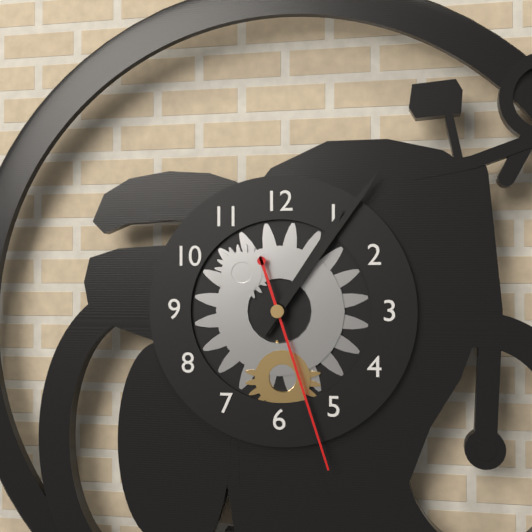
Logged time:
1,06,27
